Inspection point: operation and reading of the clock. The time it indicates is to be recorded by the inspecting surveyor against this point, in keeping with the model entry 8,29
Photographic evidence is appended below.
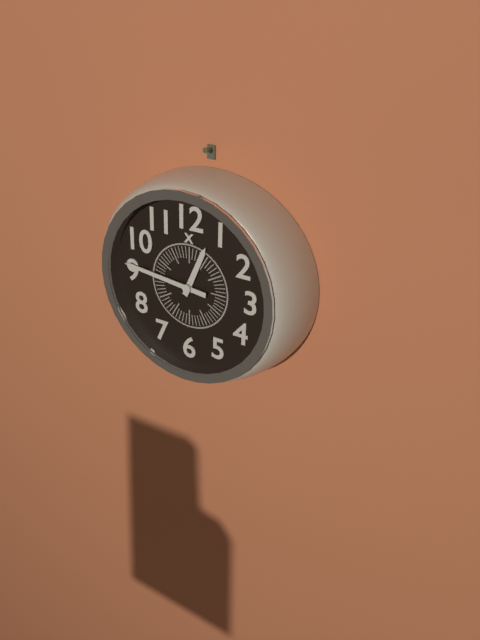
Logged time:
12,46
